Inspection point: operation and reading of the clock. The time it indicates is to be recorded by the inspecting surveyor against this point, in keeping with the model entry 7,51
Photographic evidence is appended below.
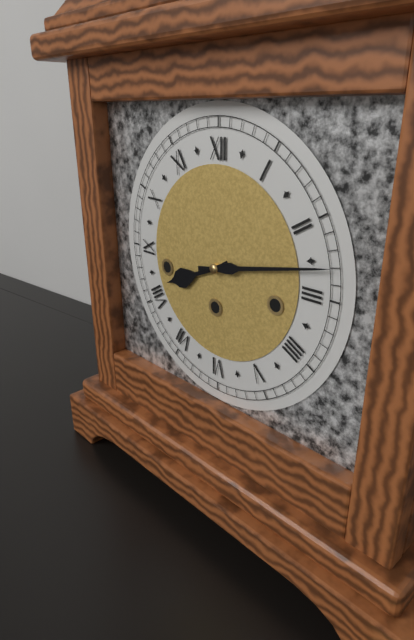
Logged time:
8,13
